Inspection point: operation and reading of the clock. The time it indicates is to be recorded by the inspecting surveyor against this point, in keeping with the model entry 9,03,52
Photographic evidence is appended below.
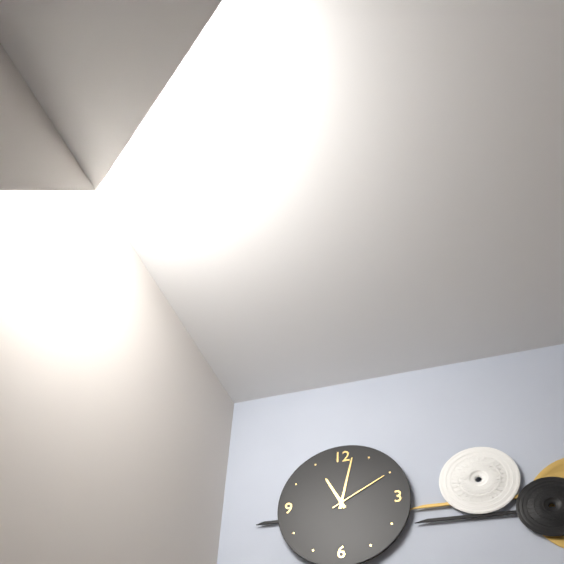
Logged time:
11,02,10
